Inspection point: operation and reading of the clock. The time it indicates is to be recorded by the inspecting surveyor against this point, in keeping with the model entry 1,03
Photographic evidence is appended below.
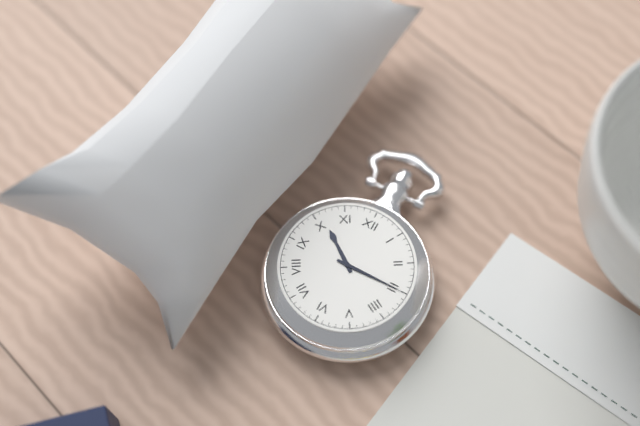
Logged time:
10,15
